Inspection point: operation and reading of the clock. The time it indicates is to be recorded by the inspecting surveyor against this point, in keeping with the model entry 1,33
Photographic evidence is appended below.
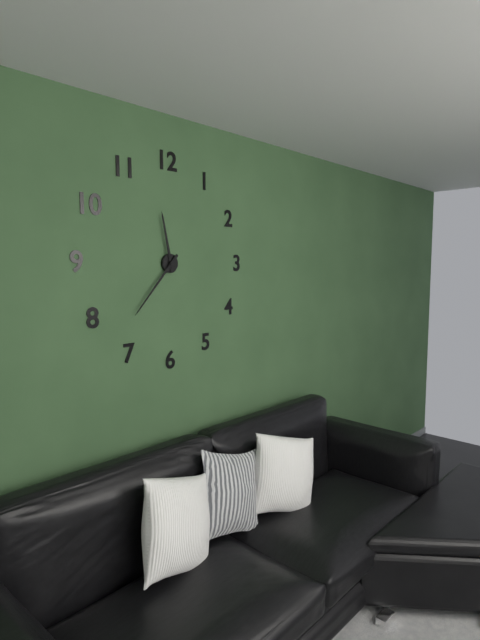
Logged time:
11,37
